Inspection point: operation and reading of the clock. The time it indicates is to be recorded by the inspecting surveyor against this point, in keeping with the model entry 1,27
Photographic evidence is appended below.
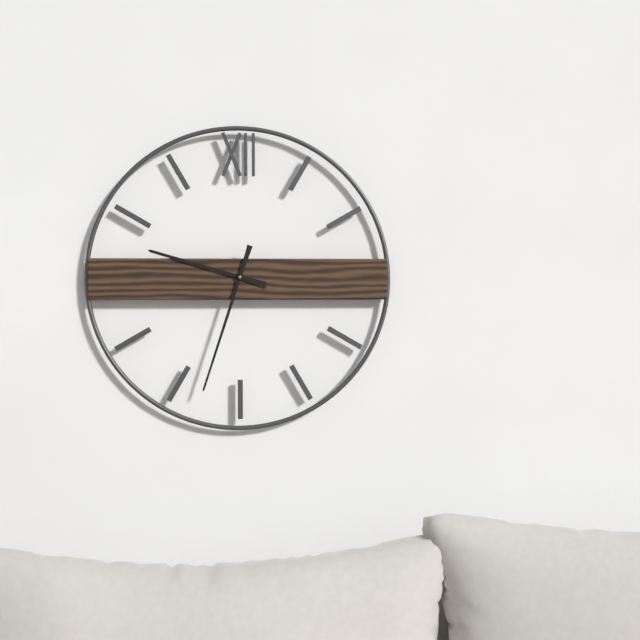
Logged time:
9,33
